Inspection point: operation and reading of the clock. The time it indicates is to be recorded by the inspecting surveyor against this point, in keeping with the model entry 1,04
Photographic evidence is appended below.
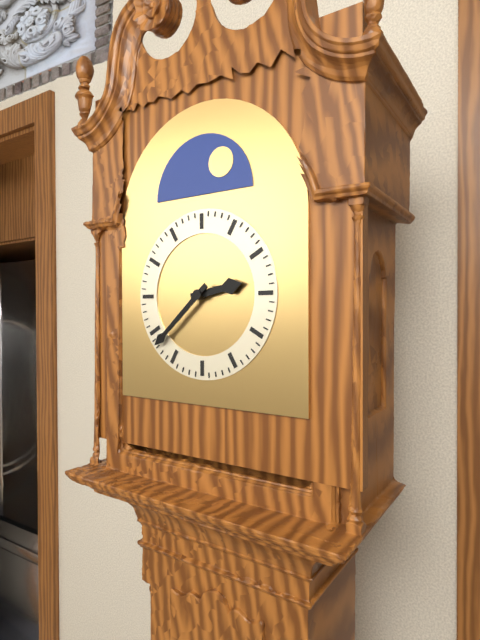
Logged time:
2,38
